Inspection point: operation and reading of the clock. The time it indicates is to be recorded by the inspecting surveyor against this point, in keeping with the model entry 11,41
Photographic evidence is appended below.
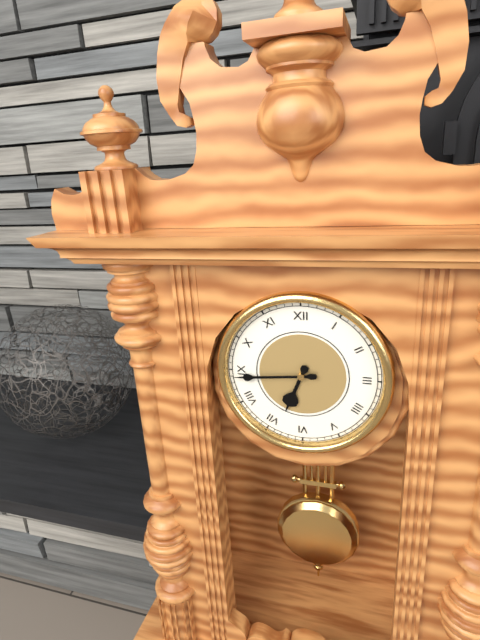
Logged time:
6,44
